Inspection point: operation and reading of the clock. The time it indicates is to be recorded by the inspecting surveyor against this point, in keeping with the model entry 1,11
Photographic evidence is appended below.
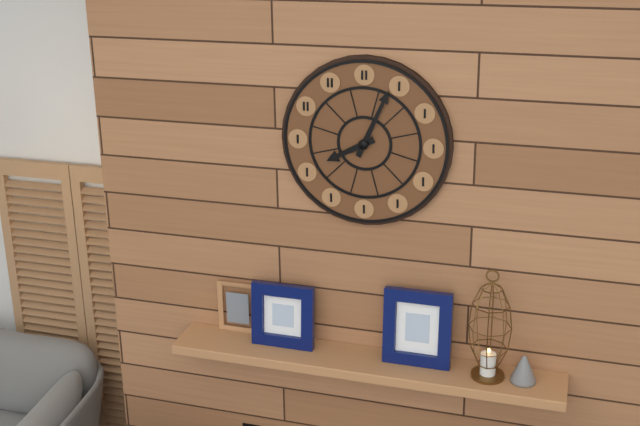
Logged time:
8,04
